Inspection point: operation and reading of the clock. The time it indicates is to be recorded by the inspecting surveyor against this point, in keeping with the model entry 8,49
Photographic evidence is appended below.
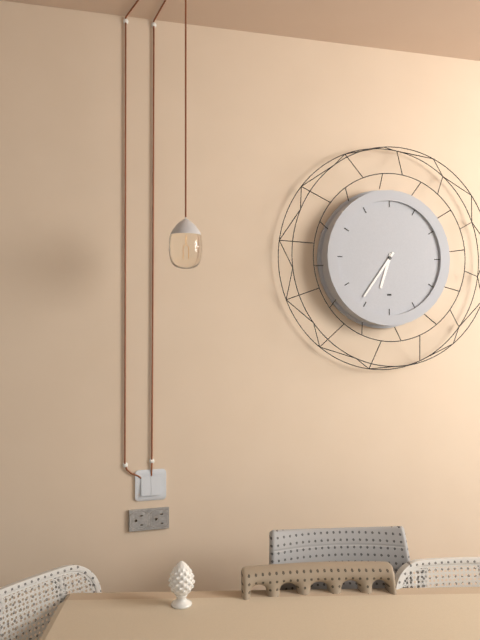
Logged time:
6,36
